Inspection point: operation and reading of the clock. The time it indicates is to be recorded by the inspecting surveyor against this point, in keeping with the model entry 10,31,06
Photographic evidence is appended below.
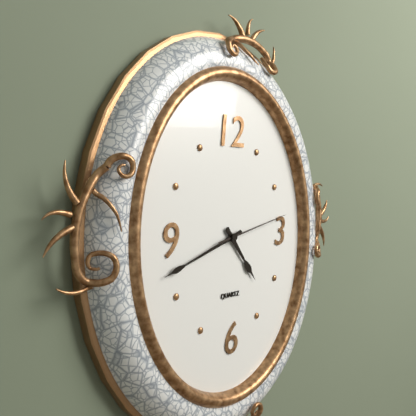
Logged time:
4,42,13
